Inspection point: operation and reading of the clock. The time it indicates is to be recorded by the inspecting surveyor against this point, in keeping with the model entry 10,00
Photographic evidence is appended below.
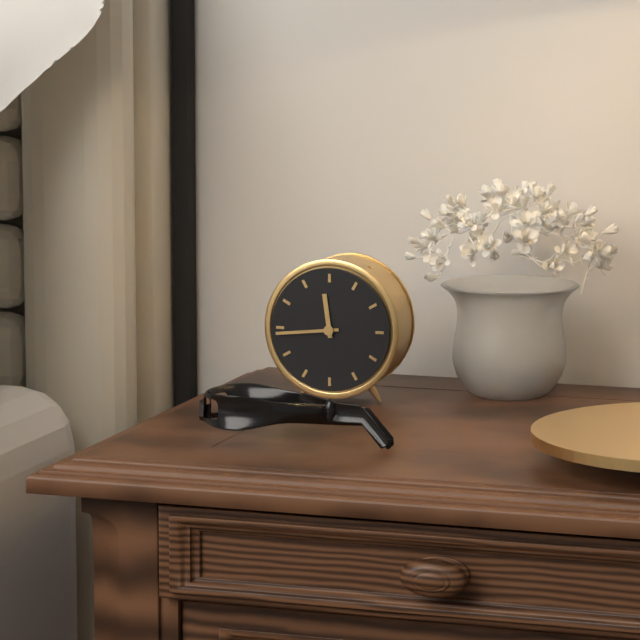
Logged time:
11,44
